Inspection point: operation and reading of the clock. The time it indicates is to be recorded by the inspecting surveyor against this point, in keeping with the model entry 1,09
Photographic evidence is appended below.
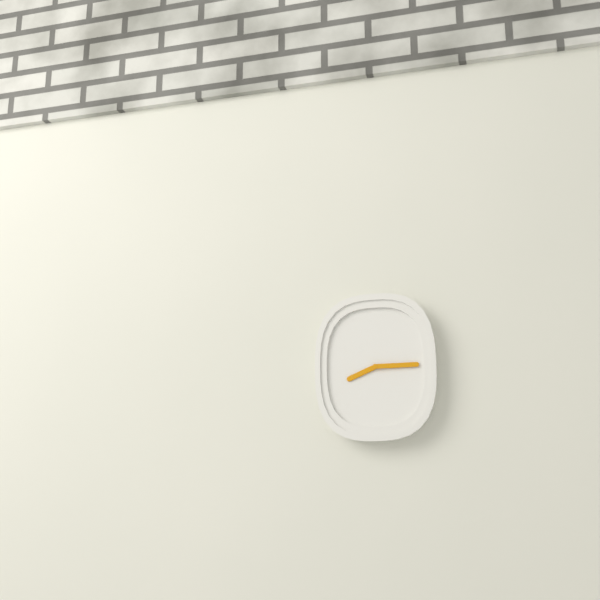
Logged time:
8,15
